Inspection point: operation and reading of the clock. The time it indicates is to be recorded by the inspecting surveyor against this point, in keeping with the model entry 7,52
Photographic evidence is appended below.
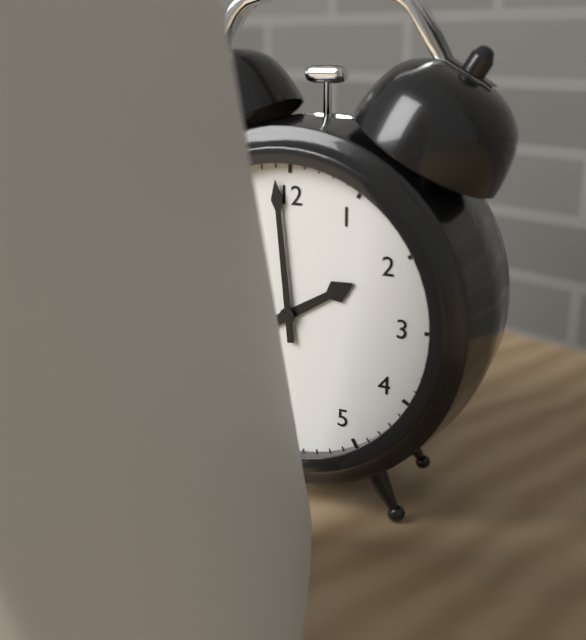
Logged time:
1,59
